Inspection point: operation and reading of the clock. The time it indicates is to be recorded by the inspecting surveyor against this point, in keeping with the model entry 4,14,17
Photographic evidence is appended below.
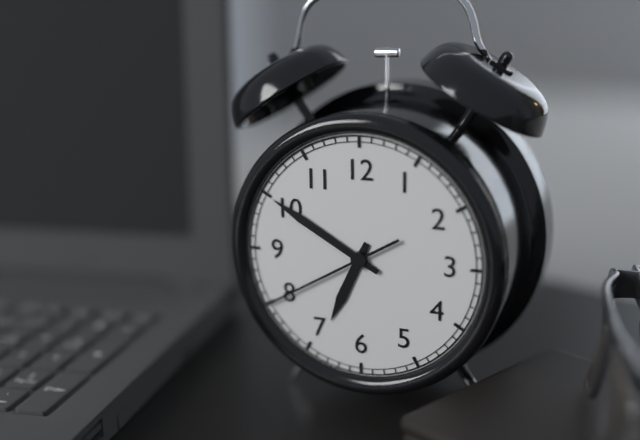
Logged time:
6,50,40
